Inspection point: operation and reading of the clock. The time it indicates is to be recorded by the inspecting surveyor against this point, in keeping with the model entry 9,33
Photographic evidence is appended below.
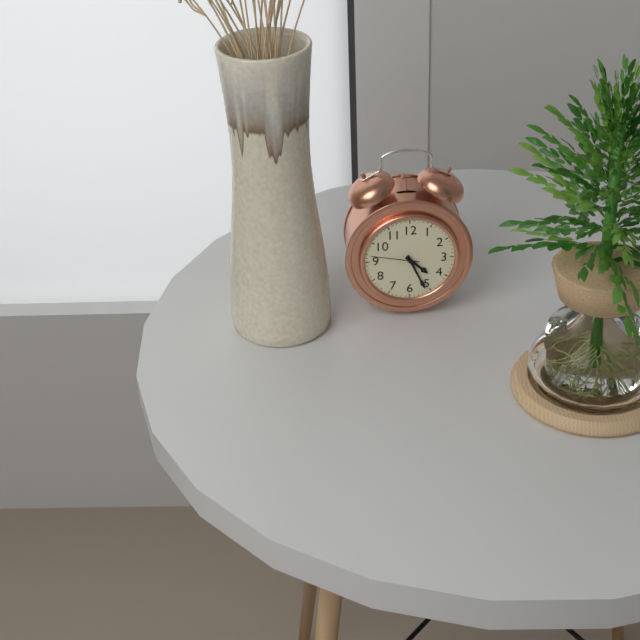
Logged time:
4,26
